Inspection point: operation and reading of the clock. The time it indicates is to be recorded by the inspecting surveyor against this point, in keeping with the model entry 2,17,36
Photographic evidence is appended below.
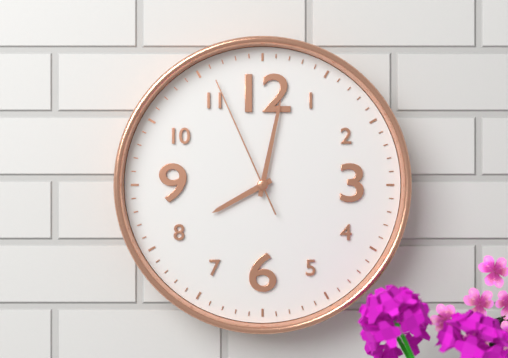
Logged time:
8,02,56
